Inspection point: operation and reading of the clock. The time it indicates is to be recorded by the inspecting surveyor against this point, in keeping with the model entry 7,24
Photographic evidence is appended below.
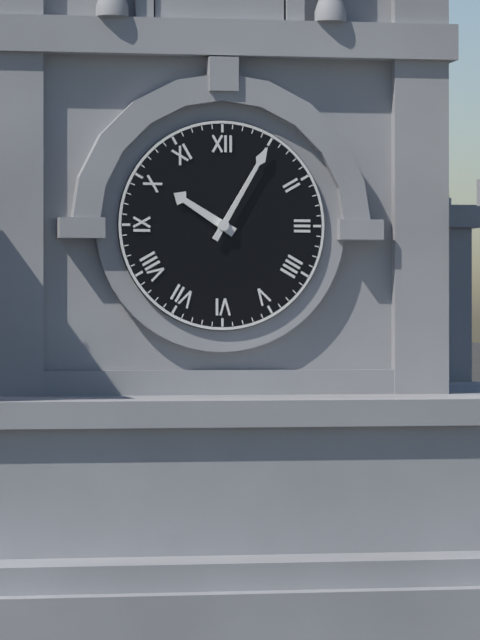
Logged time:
10,05
